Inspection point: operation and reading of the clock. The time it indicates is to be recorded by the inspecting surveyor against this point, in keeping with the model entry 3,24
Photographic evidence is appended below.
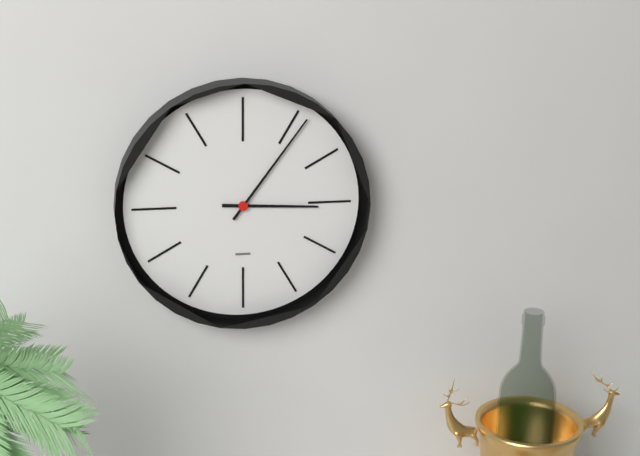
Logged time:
3,06
